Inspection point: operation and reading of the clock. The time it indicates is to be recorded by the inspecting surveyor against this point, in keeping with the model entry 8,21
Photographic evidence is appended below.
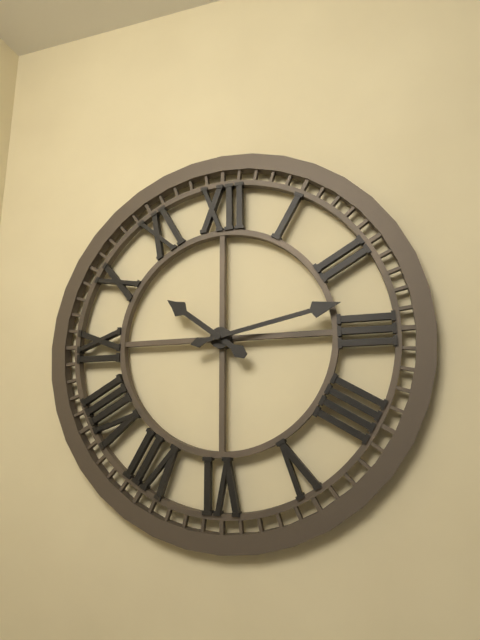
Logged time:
10,13
